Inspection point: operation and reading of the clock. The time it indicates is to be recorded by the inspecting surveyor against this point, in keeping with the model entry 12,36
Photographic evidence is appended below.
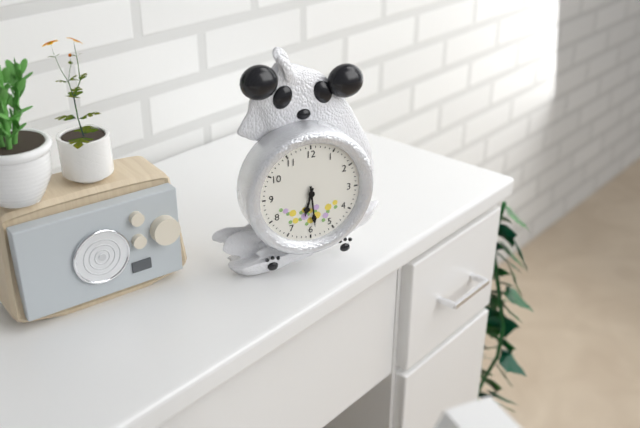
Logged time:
6,29
